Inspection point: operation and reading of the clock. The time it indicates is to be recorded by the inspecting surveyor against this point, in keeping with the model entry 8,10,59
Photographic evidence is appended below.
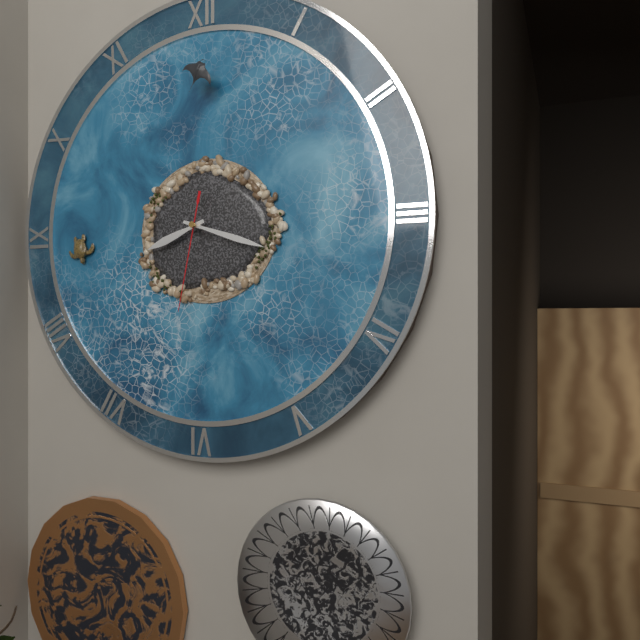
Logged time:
8,18,32
